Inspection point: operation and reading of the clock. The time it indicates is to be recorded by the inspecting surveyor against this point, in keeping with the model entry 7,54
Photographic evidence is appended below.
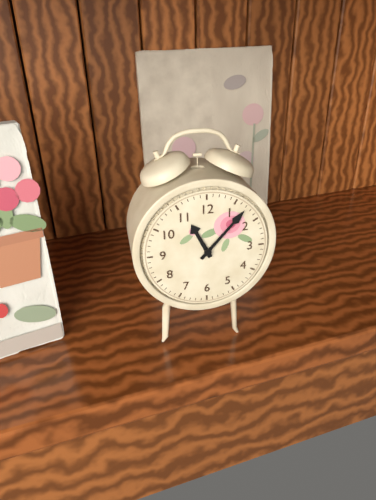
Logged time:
11,07
